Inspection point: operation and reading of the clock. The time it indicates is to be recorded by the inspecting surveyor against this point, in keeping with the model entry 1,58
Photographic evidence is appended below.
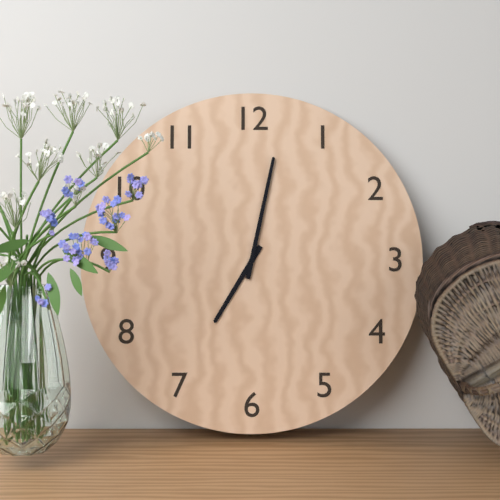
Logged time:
7,02
